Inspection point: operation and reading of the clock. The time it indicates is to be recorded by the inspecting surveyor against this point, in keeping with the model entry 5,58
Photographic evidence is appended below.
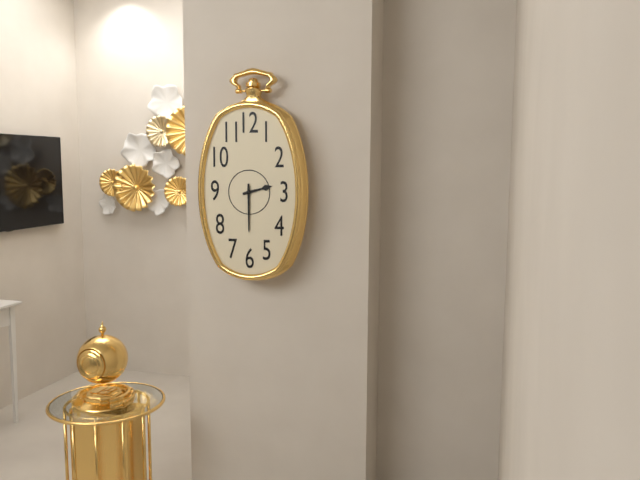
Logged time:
2,30
